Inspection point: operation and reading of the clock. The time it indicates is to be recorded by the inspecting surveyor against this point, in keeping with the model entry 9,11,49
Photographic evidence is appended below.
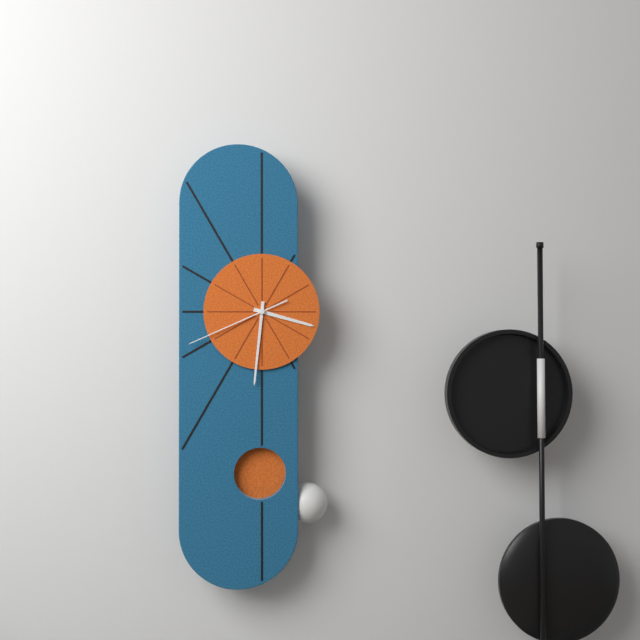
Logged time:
3,31,41
